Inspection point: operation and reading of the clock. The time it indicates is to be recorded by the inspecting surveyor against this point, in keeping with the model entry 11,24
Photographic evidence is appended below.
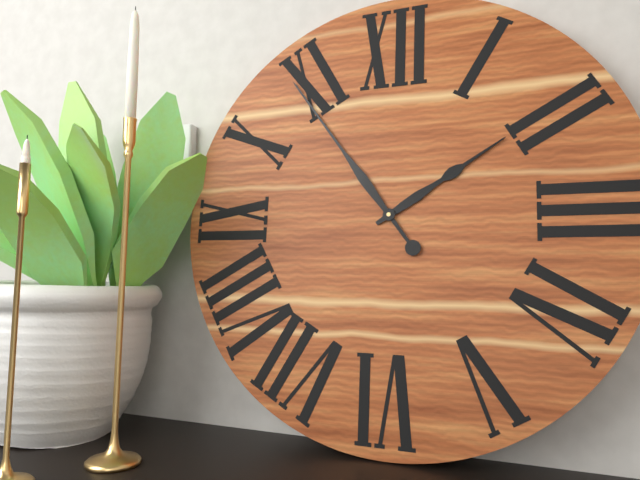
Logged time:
1,54
